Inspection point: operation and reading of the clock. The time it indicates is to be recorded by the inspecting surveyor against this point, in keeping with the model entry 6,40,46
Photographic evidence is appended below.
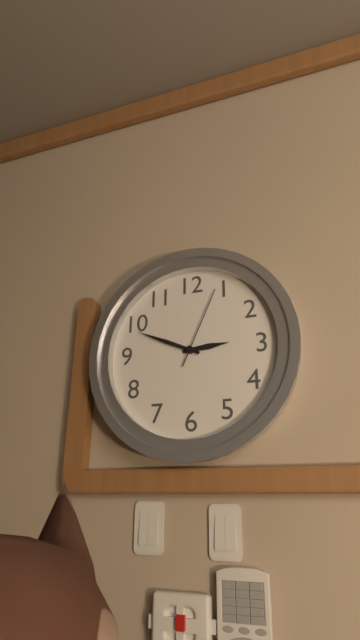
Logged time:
2,49,04
